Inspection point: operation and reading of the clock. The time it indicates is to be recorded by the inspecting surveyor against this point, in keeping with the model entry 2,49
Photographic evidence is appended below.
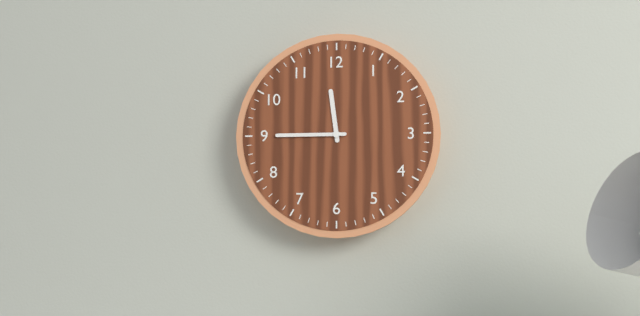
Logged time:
11,45
